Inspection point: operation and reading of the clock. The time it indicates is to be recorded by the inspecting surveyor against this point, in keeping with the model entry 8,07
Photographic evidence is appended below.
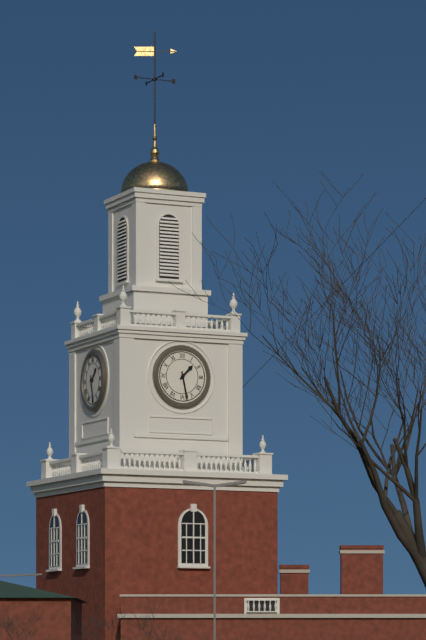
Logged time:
1,28
